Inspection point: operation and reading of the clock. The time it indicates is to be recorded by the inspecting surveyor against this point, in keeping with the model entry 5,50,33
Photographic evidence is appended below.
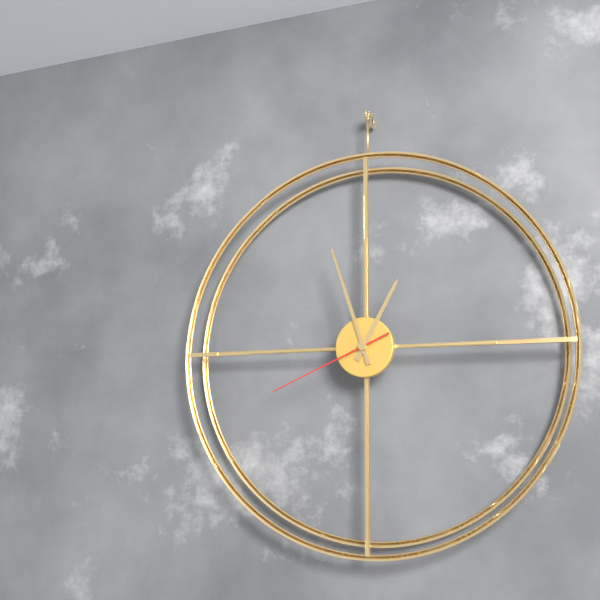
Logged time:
12,57,41
